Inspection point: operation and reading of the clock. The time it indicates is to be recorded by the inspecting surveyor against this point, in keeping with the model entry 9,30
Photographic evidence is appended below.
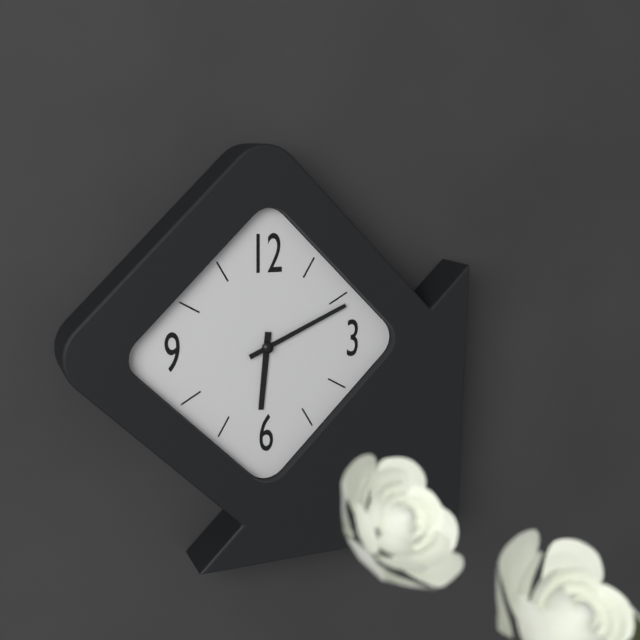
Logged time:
6,11
